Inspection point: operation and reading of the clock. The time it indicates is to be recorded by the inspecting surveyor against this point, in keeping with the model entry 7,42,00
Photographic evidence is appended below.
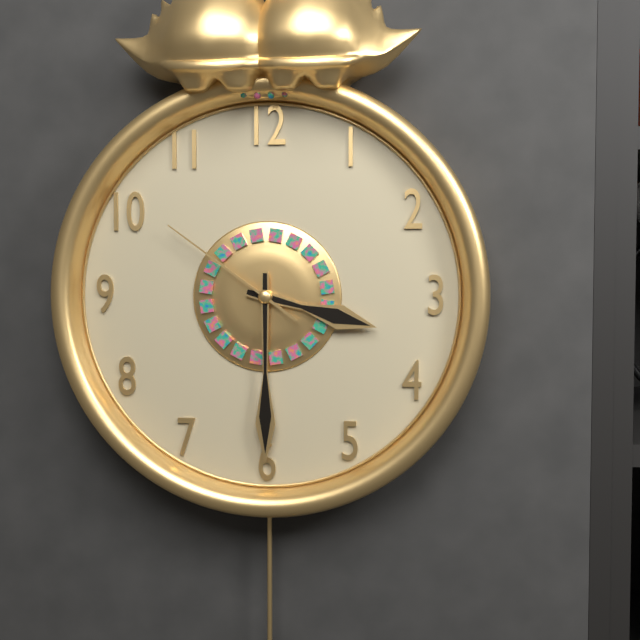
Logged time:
3,30,51
